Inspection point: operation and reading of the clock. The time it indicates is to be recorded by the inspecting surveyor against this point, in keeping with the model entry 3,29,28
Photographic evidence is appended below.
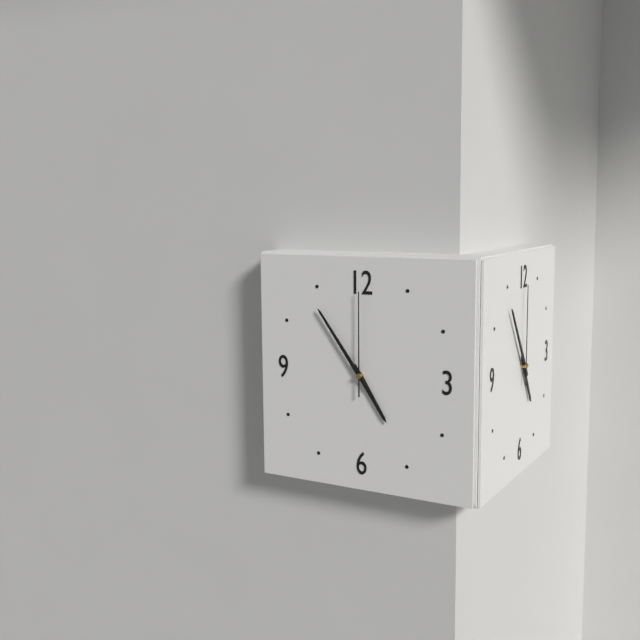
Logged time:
4,54,00
